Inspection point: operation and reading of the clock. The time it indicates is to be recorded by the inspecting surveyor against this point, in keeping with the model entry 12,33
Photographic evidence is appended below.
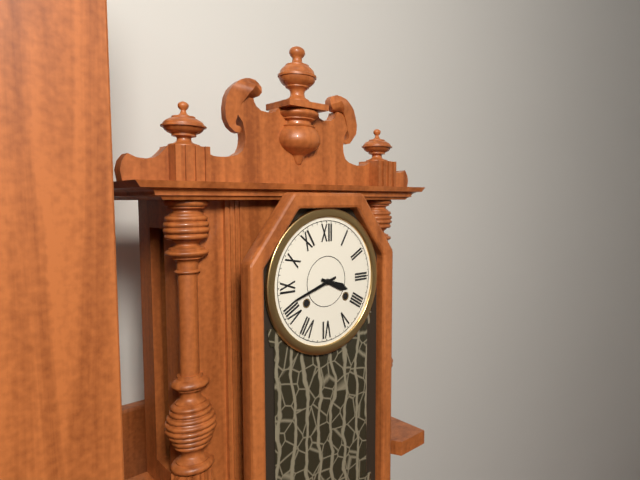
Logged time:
3,42
